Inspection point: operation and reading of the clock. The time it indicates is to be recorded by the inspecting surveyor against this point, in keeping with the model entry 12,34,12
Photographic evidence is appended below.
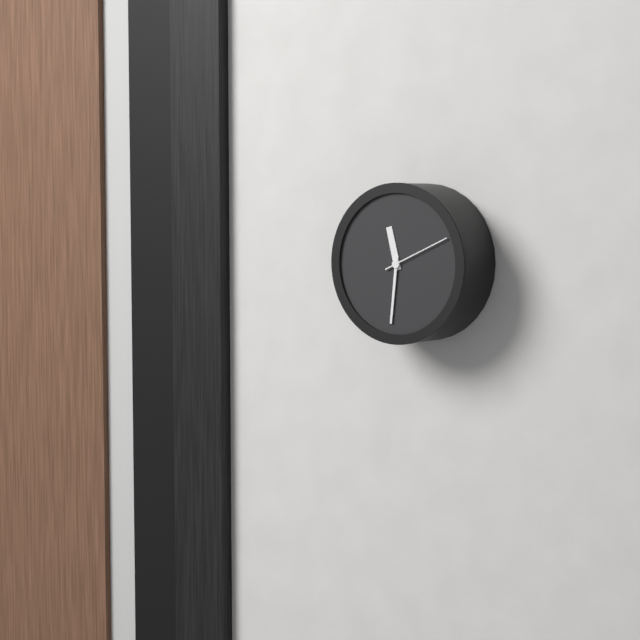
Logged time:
11,31,11
